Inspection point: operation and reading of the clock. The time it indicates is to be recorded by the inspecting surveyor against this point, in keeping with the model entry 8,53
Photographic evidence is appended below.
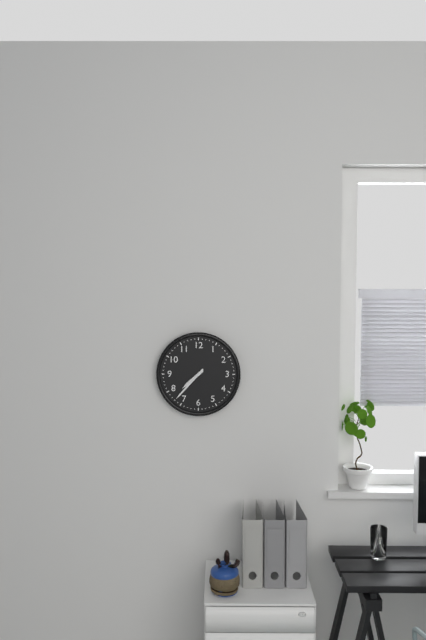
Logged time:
7,37
